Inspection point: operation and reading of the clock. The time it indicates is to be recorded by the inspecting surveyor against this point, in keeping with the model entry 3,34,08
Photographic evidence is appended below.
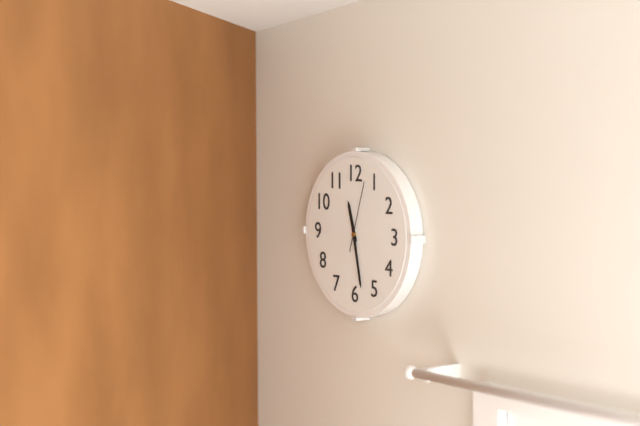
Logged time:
11,28,03
